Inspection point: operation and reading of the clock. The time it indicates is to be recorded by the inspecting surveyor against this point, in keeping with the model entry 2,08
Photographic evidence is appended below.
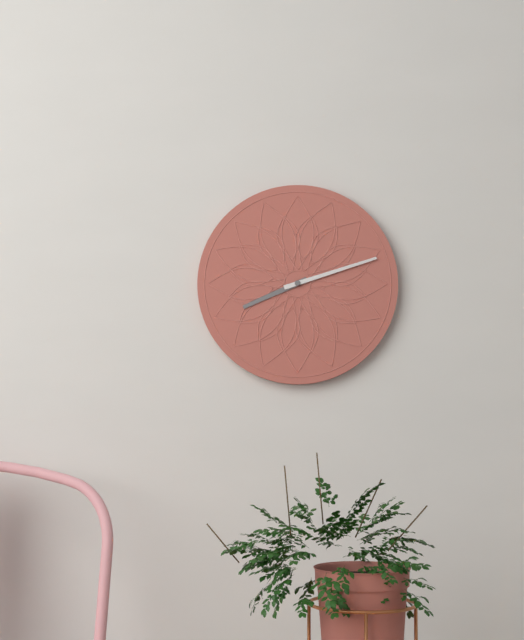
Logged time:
8,12
